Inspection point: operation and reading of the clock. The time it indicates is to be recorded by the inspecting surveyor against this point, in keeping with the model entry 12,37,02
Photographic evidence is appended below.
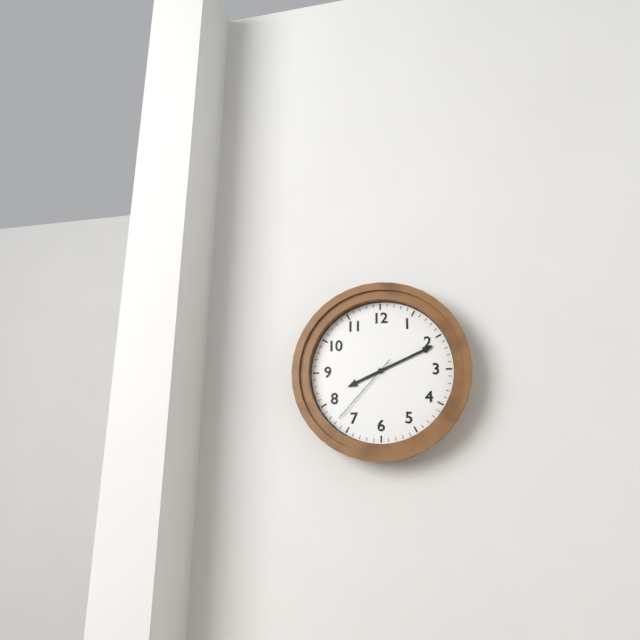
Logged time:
8,11,37
